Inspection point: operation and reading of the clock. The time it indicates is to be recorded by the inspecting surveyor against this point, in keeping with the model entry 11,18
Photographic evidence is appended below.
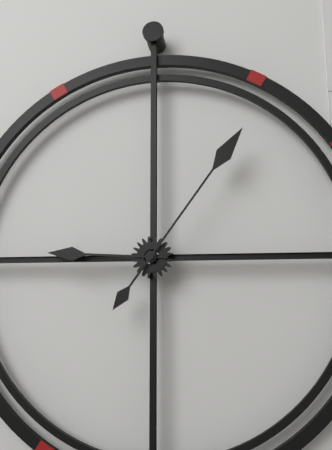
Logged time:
9,06
